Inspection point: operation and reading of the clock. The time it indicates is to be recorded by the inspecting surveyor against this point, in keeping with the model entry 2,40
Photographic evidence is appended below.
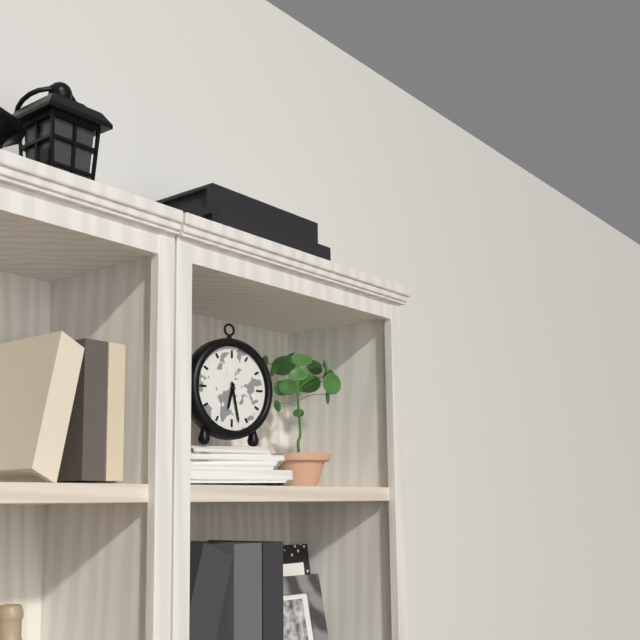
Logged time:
6,28
